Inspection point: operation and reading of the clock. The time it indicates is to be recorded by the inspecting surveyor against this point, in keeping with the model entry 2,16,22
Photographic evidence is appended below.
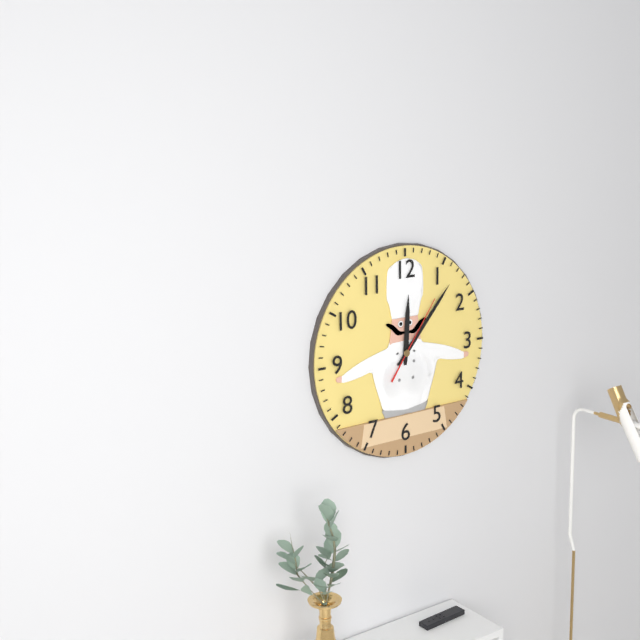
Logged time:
12,07,06
